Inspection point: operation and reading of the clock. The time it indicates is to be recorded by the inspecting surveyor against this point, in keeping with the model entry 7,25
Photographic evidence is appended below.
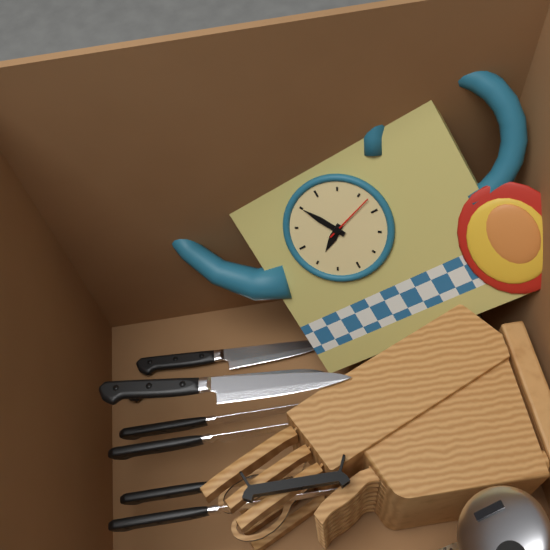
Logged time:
7,55
